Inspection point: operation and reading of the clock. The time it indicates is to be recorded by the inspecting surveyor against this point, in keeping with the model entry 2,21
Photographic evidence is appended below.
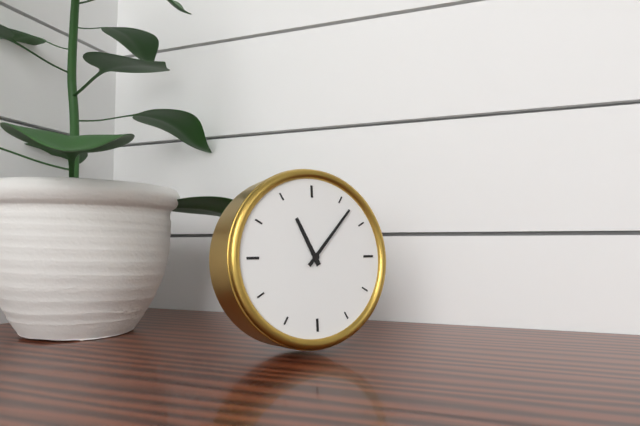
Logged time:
11,07
